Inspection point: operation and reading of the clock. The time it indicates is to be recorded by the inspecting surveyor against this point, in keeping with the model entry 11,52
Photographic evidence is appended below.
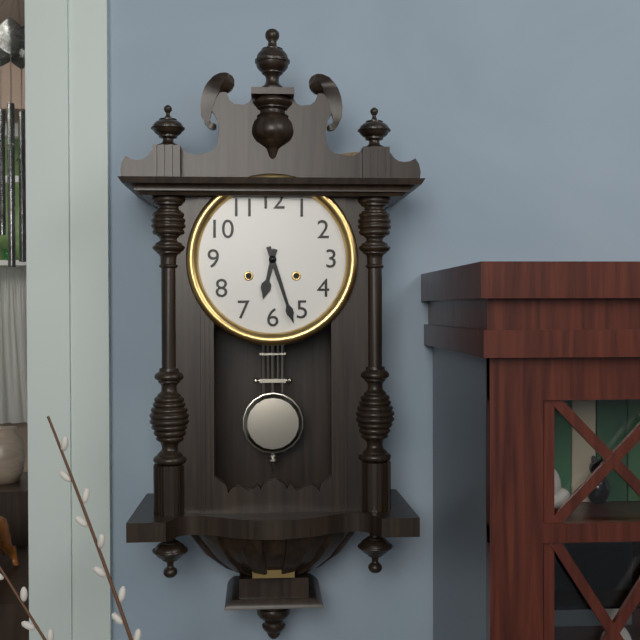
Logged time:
6,27
